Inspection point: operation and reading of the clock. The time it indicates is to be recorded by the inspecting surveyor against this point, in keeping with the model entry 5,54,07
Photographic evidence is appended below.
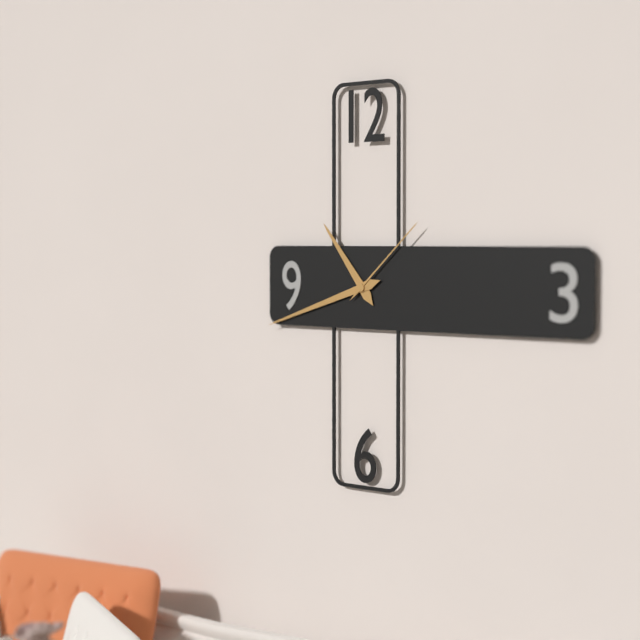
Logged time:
10,42,08
